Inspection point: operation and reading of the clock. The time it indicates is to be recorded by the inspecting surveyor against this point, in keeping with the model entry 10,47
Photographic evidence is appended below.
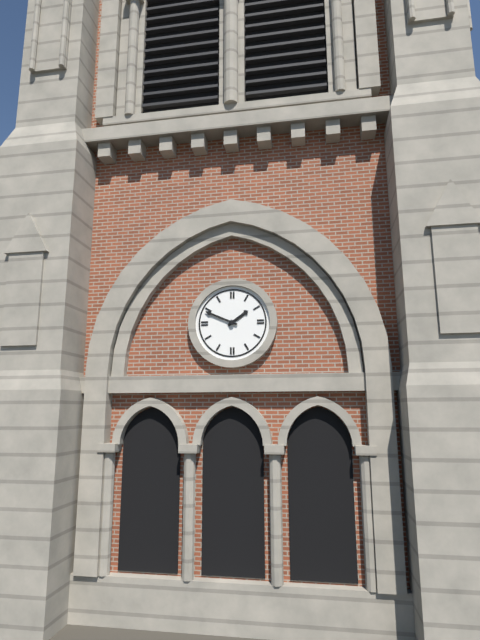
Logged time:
1,49
